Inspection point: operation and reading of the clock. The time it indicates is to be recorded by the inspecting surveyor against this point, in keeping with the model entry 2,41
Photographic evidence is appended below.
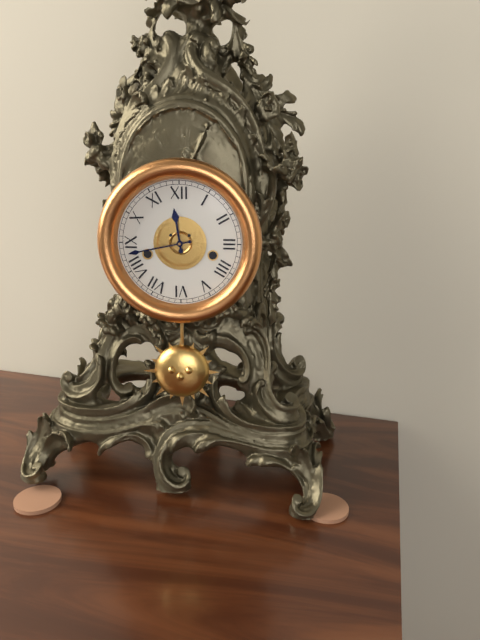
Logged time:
11,43
